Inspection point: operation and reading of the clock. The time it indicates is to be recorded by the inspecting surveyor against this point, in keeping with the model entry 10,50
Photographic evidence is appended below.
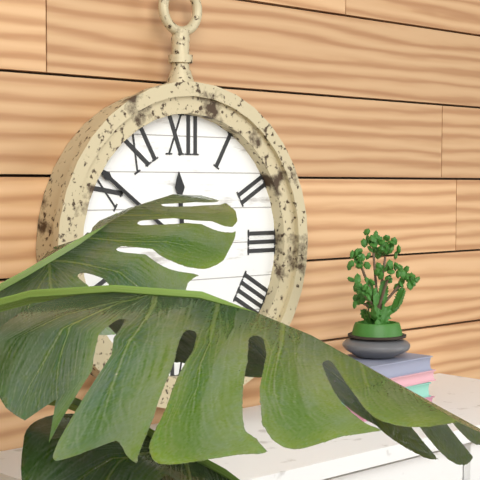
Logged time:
11,51
